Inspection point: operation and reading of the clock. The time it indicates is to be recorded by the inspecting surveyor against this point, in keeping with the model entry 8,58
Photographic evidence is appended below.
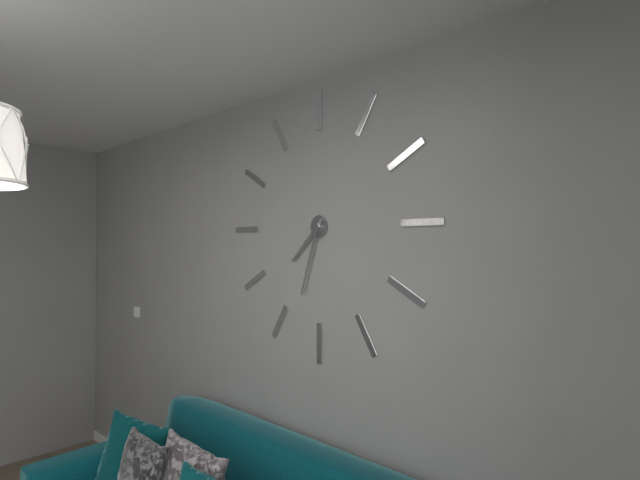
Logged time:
7,33
